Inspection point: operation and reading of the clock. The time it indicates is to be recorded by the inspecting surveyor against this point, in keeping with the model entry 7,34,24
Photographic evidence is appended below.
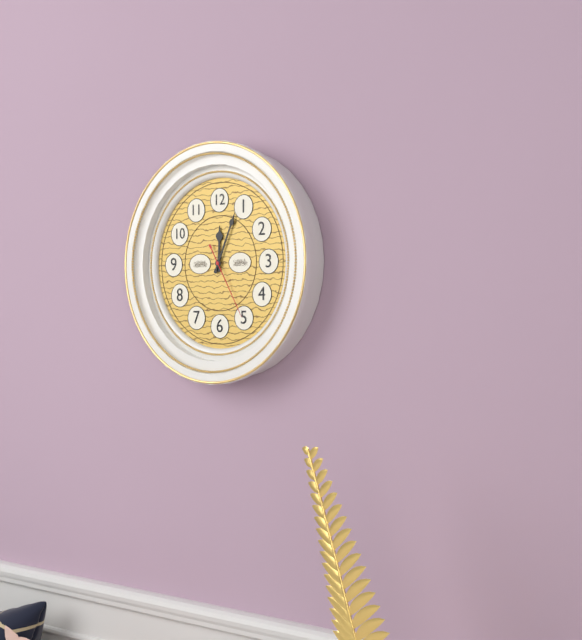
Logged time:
12,04,25
